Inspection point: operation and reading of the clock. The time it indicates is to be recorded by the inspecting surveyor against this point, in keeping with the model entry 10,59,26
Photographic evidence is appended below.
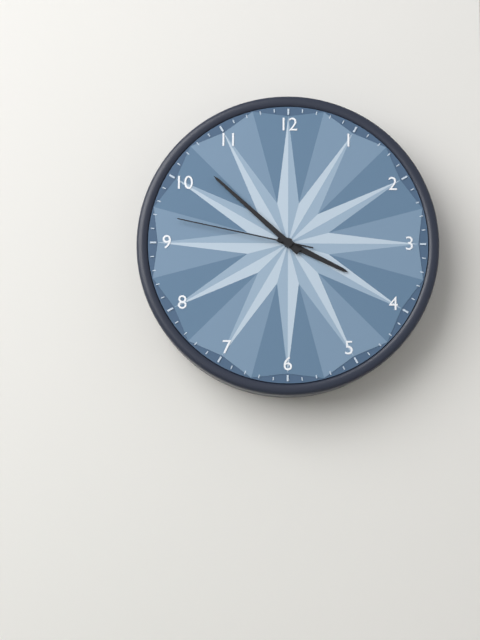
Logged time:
3,52,47
